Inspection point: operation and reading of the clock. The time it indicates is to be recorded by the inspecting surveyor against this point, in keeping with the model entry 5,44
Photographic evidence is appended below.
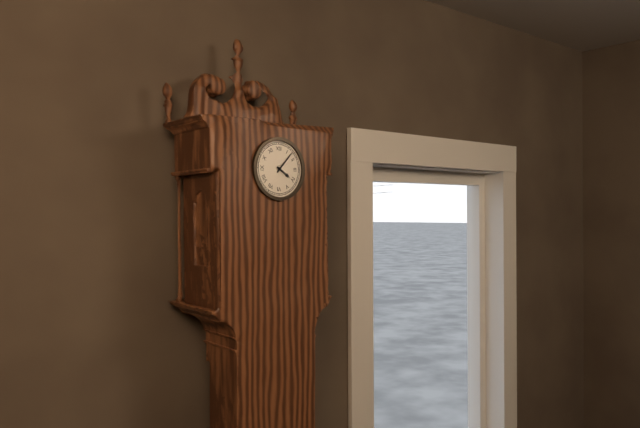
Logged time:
4,07
